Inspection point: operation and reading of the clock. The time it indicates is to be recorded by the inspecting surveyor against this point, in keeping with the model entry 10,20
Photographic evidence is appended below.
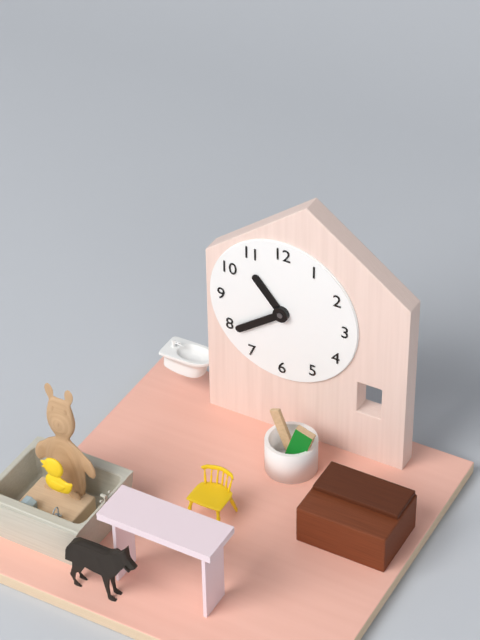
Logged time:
10,39
